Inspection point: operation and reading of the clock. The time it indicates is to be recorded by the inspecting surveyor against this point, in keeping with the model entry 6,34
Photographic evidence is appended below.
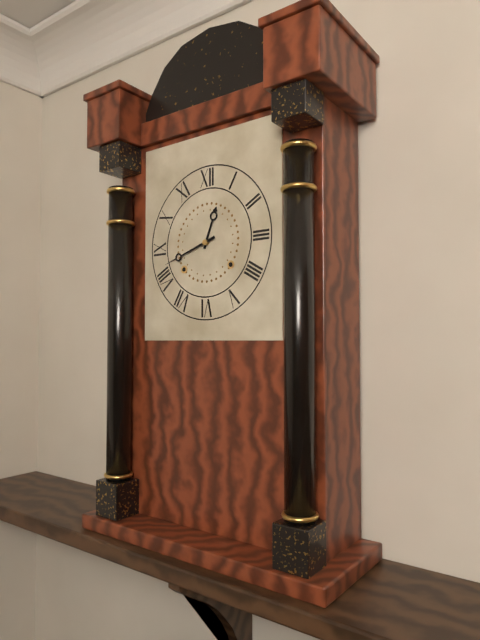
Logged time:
12,42
